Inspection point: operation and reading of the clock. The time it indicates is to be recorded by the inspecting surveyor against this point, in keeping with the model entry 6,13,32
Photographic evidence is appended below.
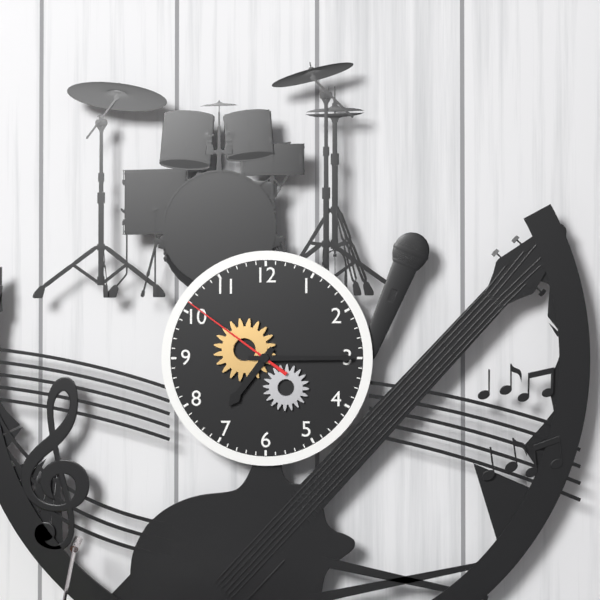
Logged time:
7,15,51
